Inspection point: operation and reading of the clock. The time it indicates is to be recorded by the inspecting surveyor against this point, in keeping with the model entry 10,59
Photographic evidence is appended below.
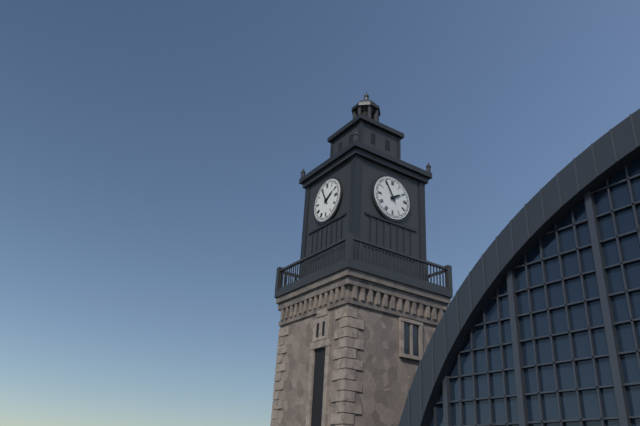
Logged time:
1,55
